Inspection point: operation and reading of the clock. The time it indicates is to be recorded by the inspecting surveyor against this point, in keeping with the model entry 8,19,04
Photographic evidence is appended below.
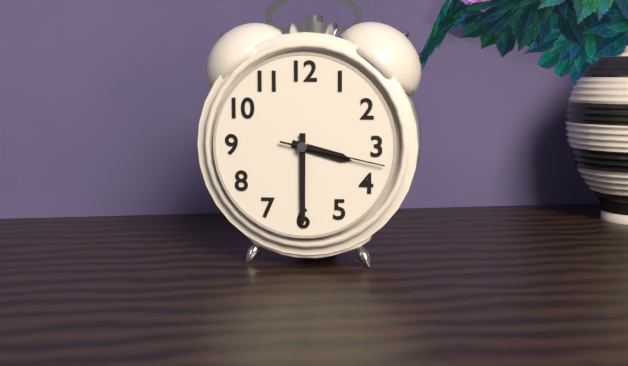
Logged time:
3,30,17
